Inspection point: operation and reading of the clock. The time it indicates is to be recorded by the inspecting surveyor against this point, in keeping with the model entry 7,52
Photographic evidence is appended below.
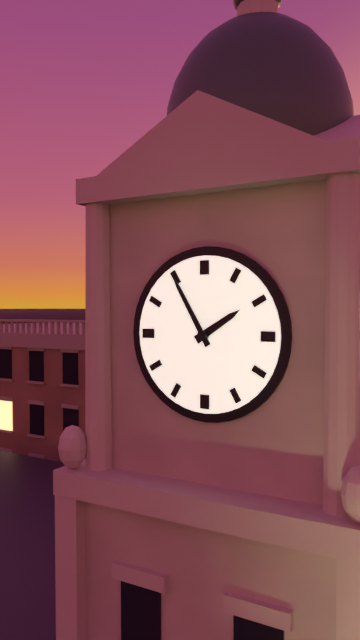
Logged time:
1,55
